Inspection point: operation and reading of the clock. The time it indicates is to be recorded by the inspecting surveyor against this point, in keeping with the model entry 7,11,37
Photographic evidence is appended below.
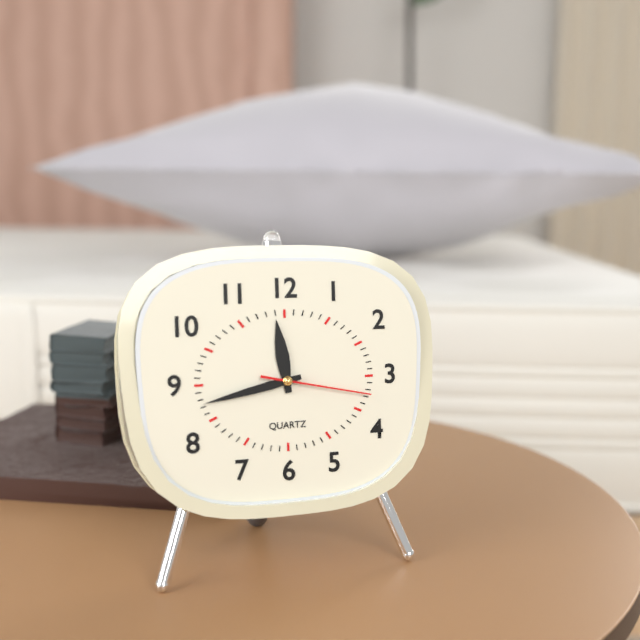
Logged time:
11,43,17
